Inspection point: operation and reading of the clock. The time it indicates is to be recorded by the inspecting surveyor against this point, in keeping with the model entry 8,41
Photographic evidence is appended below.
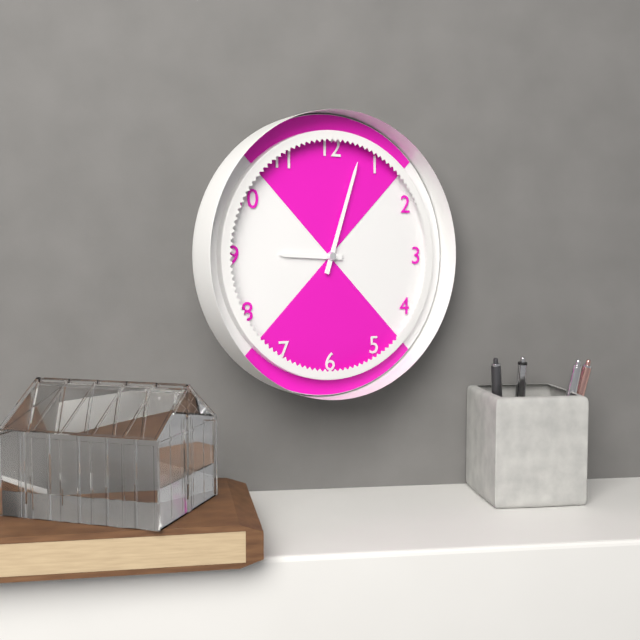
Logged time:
9,03
